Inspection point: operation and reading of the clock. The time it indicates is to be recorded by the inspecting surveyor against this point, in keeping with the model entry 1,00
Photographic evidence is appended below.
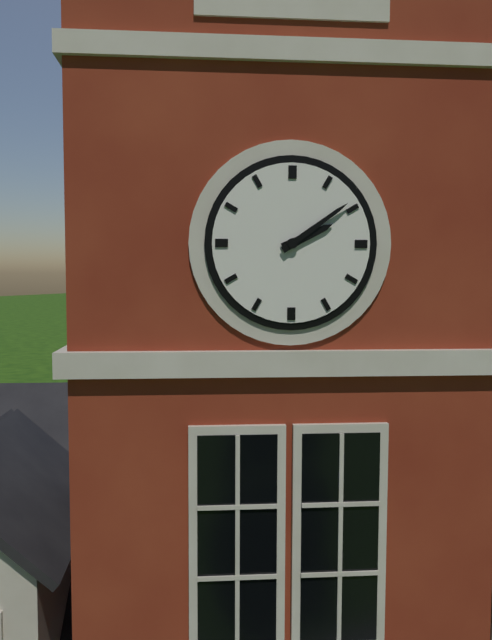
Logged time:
2,09
